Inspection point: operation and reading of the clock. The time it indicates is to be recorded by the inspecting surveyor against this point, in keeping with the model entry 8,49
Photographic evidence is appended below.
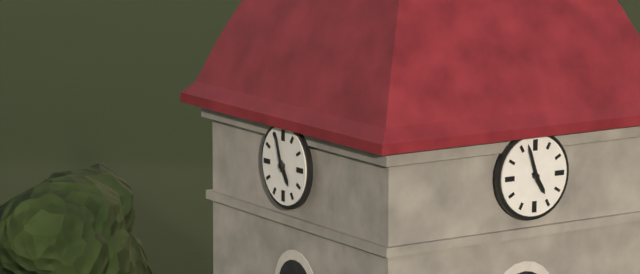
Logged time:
4,57
